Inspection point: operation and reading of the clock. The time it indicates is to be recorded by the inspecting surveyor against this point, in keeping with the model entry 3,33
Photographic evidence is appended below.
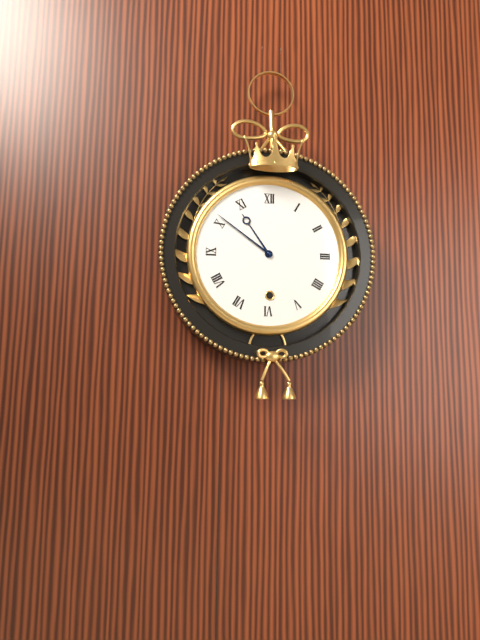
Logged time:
10,51
